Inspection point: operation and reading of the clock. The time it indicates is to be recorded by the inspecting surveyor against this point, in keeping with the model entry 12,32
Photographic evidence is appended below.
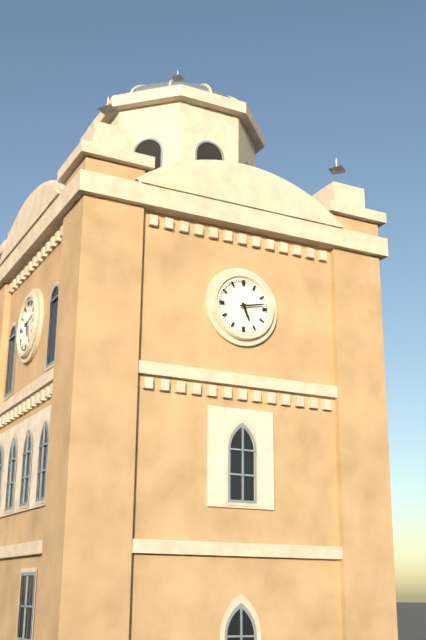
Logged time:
5,13
